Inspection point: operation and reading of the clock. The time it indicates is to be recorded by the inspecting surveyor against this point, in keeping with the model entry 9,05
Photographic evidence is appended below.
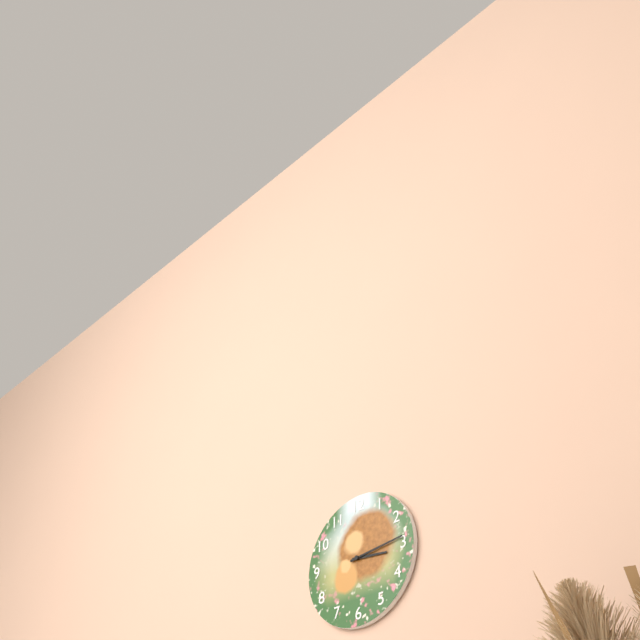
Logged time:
3,14
